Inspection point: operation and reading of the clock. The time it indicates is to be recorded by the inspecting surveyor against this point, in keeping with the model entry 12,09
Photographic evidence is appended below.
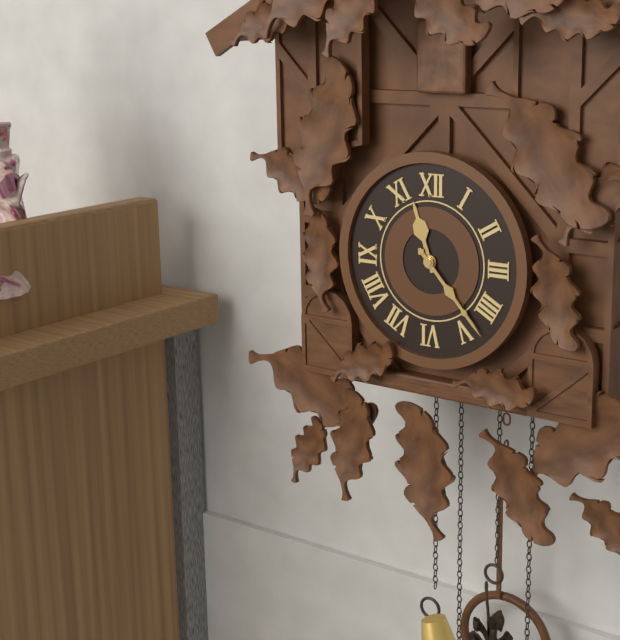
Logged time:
11,23
